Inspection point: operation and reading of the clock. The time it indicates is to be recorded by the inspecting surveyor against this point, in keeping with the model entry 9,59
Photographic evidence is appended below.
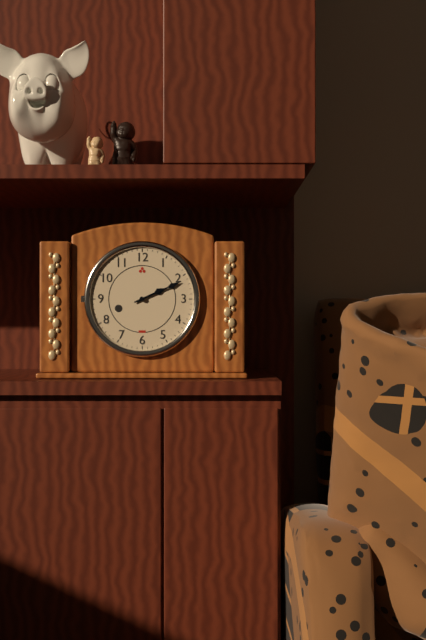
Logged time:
2,11
